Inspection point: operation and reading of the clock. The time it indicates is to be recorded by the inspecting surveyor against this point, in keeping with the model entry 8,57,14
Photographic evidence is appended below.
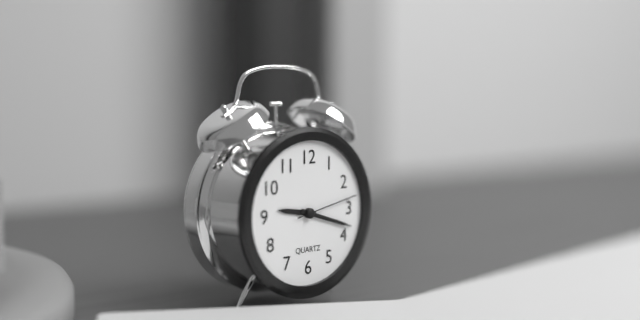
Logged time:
9,18,13
